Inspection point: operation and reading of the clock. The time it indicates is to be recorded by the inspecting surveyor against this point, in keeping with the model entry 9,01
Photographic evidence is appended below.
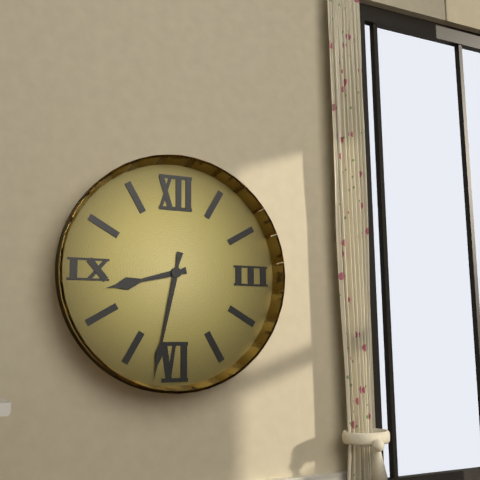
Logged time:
8,32
